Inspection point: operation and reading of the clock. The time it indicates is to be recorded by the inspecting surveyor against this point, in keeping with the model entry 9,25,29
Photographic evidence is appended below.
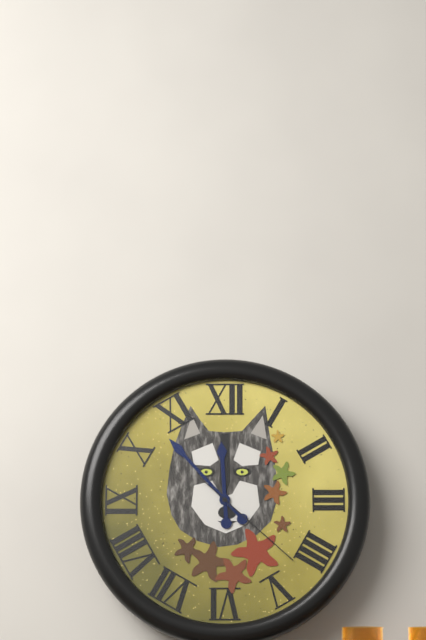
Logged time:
11,53,22
